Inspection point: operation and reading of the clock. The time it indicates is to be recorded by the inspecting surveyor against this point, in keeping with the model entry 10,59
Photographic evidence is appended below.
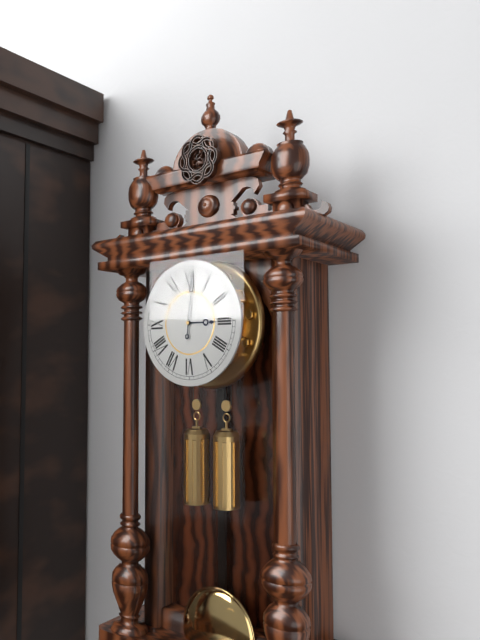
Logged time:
3,01
